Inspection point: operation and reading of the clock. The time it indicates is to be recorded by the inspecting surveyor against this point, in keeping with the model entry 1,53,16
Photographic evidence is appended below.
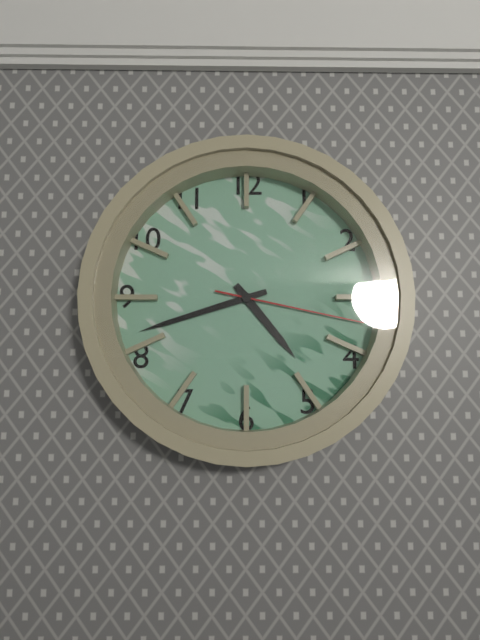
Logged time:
4,42,17
